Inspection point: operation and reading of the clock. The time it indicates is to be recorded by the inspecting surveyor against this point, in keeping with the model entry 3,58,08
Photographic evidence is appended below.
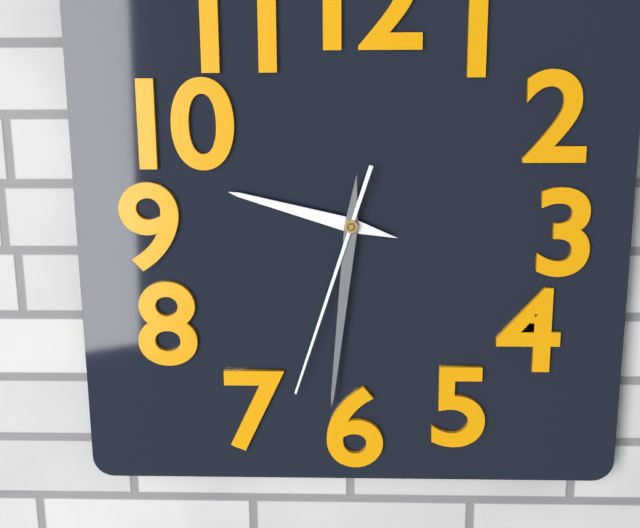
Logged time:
9,31,33
